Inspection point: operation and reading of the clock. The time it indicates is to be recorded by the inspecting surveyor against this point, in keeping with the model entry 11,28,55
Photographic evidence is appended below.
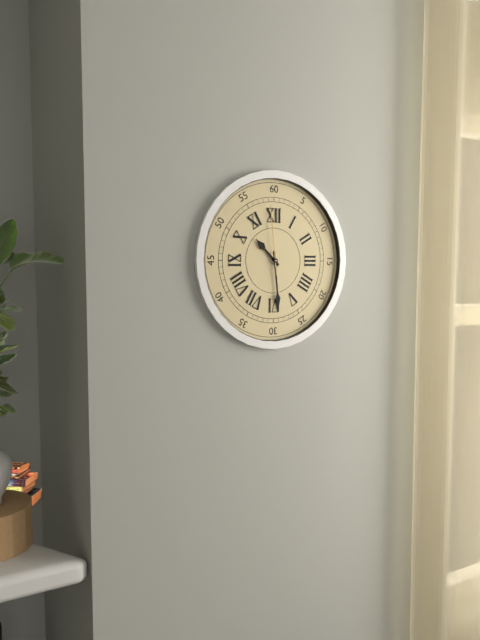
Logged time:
10,29,59
